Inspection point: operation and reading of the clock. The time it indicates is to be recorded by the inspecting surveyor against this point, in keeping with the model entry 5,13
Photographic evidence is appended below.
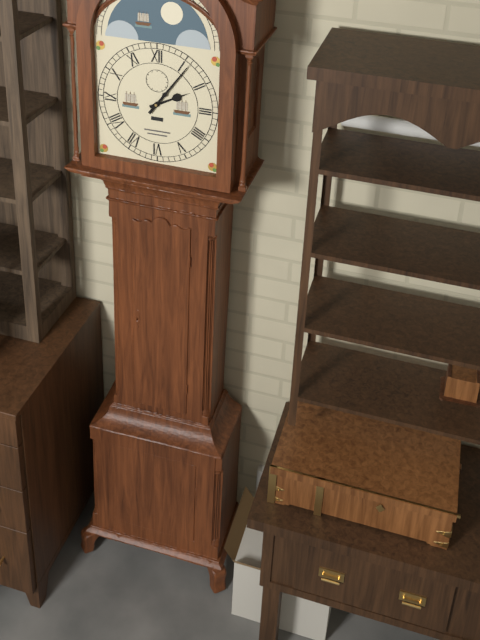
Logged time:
2,06
